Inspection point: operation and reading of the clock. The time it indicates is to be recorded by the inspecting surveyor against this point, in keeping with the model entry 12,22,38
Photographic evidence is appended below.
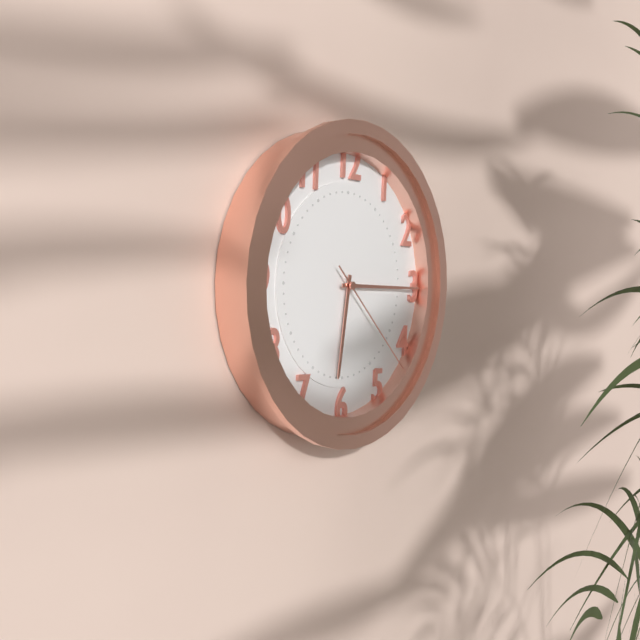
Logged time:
6,15,22
